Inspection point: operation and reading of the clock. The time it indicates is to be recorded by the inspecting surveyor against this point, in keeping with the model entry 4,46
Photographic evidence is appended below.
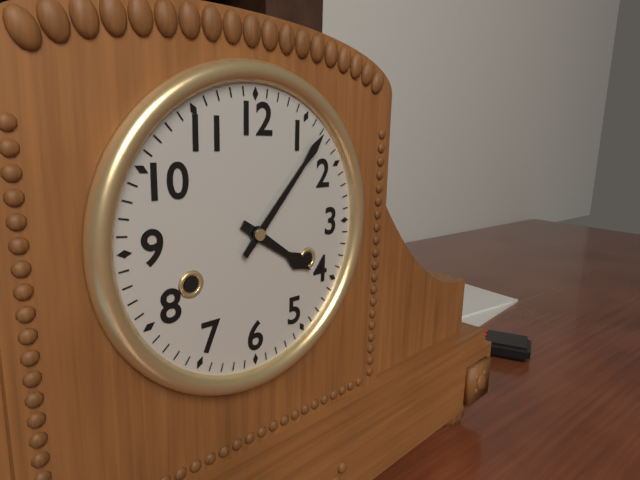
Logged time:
4,07
